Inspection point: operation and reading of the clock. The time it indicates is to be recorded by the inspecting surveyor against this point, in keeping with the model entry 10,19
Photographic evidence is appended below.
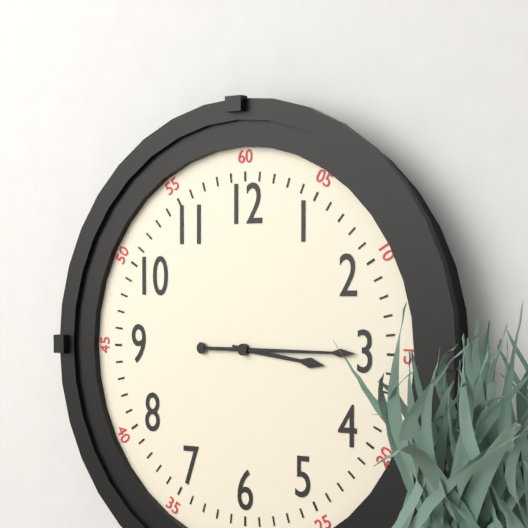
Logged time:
3,15
